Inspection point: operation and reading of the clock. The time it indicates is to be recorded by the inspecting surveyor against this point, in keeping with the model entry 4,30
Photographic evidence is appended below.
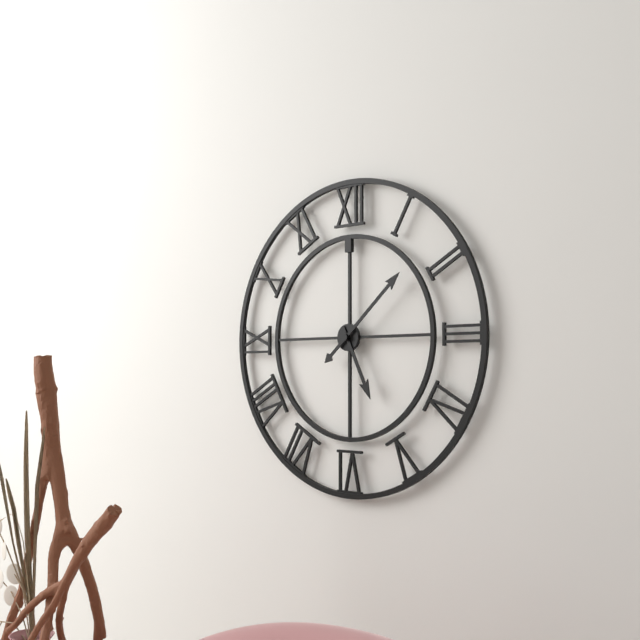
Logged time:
5,08
